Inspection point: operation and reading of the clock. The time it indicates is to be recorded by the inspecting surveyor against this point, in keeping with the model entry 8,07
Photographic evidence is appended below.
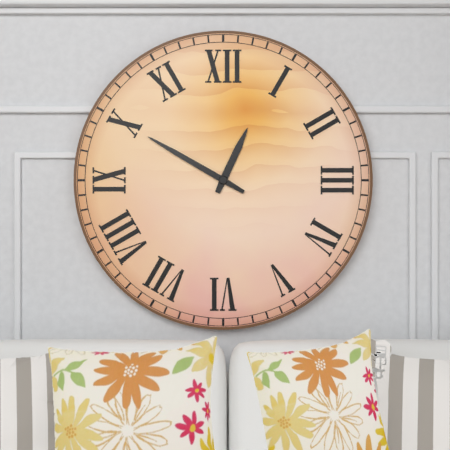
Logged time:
12,50
